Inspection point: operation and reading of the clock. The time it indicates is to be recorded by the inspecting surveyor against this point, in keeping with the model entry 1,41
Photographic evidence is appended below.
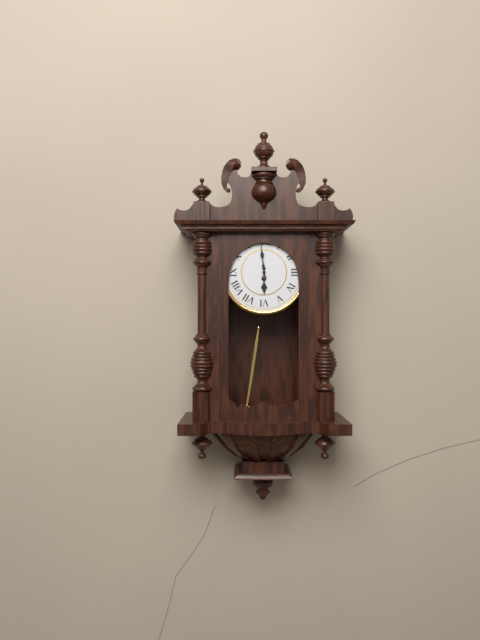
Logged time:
5,59
